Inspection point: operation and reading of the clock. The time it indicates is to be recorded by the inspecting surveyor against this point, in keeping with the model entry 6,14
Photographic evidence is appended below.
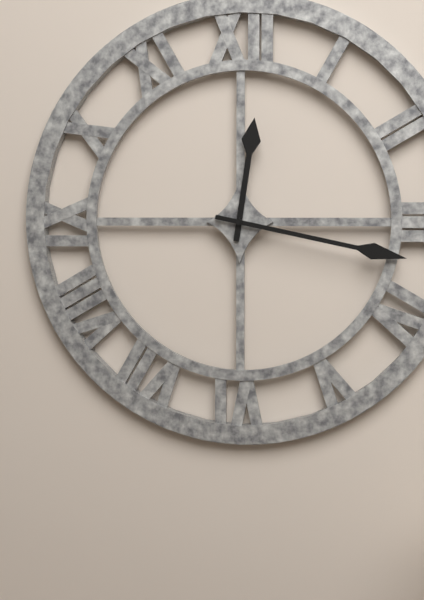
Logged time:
12,17
